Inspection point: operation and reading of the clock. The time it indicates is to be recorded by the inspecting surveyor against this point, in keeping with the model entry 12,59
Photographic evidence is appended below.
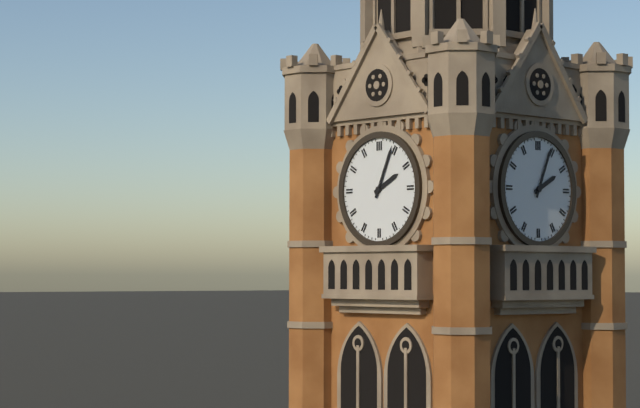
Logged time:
2,04
